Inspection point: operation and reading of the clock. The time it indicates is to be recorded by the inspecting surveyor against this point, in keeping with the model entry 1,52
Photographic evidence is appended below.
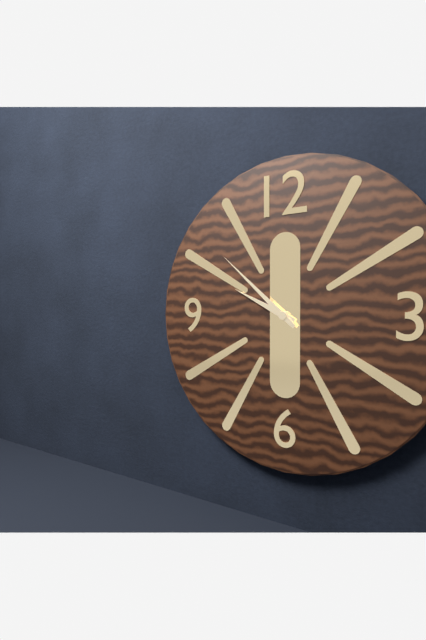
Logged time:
9,52
